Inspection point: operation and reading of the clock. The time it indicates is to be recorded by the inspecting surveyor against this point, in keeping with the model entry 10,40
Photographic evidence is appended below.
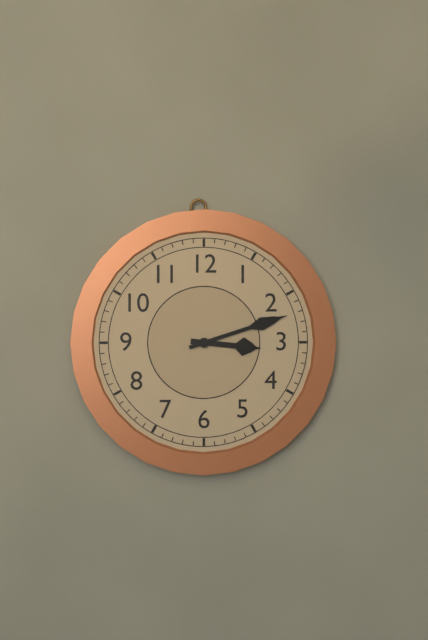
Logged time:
3,12
